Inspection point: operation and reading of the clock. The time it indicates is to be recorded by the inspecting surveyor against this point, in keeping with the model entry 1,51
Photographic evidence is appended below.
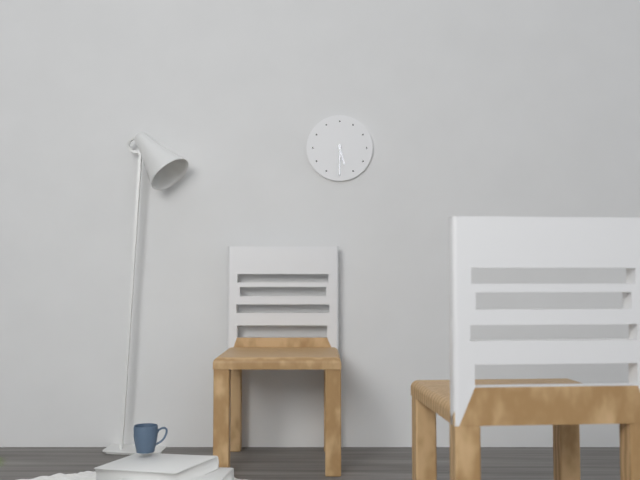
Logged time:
5,30
